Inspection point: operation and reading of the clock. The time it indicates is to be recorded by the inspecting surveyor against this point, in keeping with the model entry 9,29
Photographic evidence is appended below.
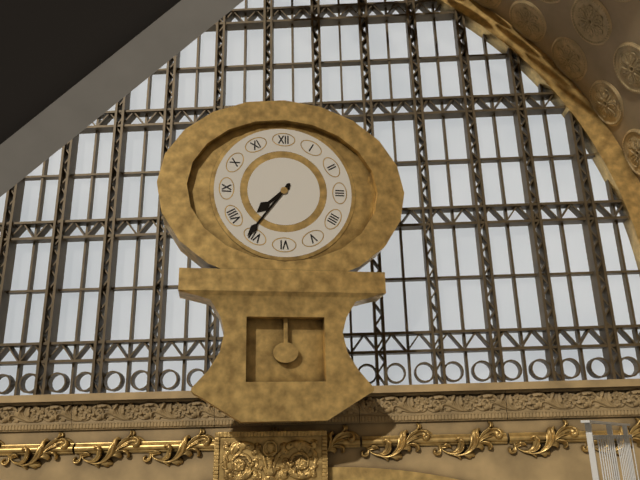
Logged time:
7,36
